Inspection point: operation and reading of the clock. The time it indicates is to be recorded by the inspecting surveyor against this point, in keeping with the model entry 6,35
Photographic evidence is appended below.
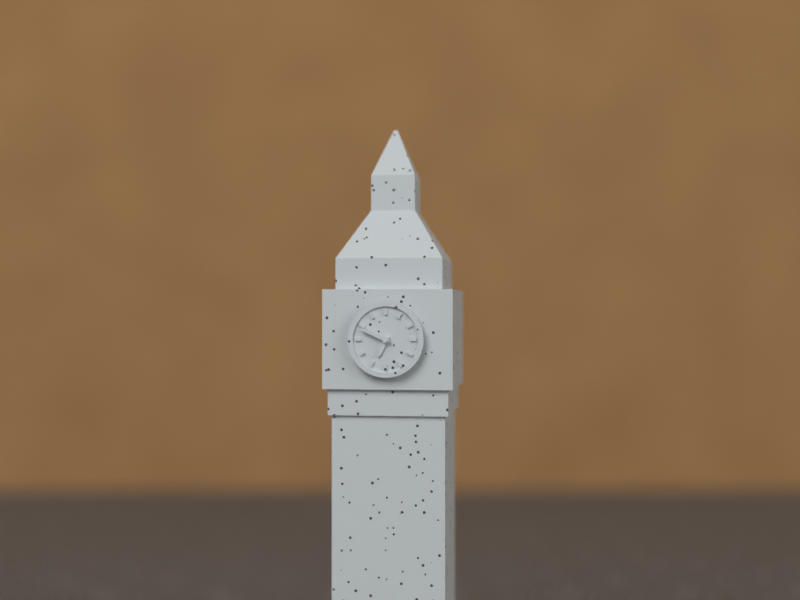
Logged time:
6,49
